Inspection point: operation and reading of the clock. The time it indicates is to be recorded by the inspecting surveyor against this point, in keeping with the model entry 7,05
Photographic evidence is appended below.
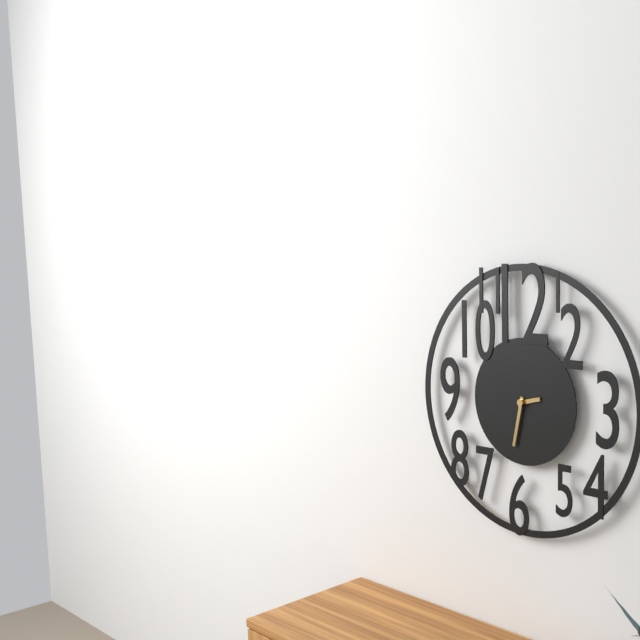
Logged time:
2,32
